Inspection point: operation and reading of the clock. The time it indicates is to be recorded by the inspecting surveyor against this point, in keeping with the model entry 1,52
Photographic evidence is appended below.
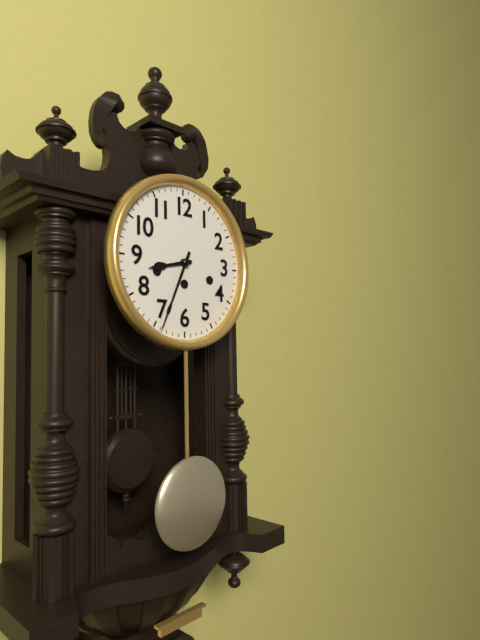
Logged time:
8,34
